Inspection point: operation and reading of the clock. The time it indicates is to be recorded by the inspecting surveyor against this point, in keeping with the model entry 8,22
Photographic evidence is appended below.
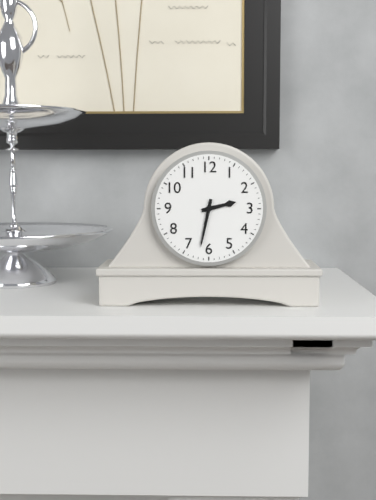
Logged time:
2,32
